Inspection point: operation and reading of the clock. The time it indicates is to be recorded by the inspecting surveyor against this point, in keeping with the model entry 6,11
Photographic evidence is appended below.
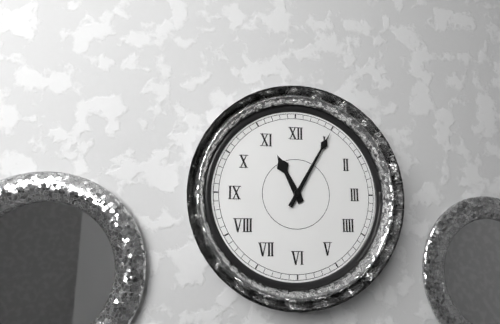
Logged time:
11,05
